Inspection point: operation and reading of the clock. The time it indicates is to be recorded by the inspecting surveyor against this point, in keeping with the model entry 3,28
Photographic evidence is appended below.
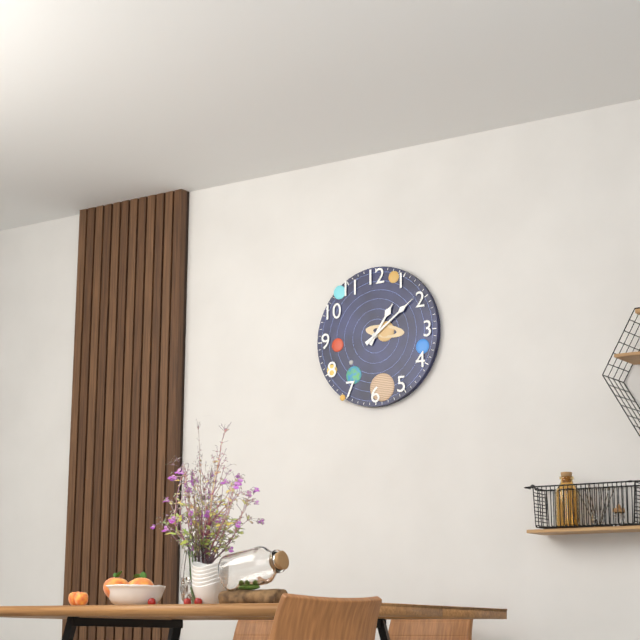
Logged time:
1,09
